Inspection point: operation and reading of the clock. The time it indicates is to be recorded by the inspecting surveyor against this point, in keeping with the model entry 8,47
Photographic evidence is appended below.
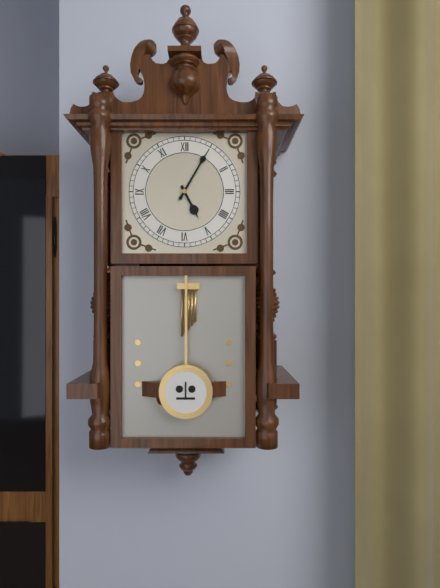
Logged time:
5,05
